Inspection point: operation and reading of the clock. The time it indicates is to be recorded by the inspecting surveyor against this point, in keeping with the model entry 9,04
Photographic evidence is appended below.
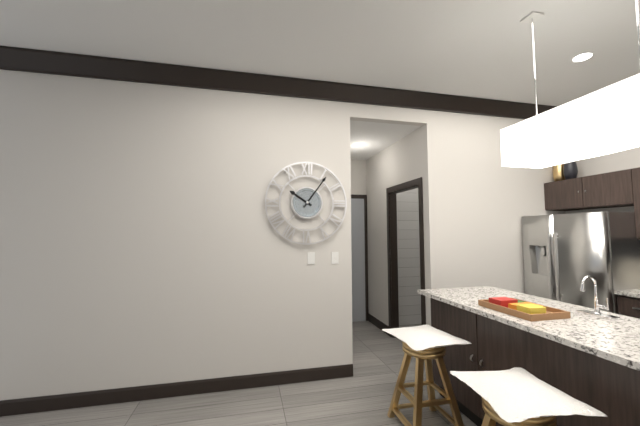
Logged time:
10,06
